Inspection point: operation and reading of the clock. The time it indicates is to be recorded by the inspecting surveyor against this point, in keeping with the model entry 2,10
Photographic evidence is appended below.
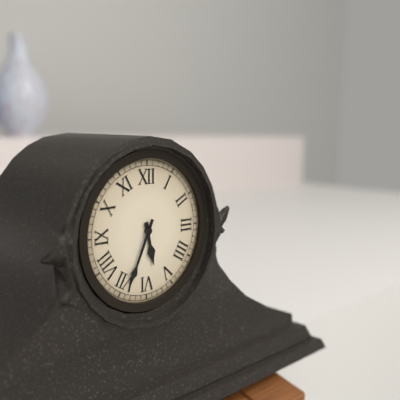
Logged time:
5,34
